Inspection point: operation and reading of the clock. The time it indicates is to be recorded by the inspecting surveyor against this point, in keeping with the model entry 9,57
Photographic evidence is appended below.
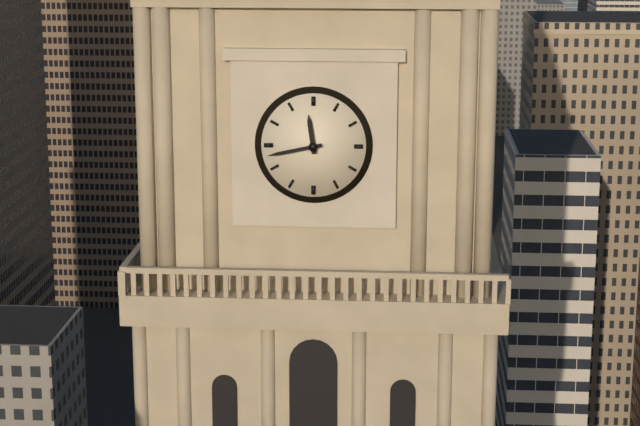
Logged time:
11,43
